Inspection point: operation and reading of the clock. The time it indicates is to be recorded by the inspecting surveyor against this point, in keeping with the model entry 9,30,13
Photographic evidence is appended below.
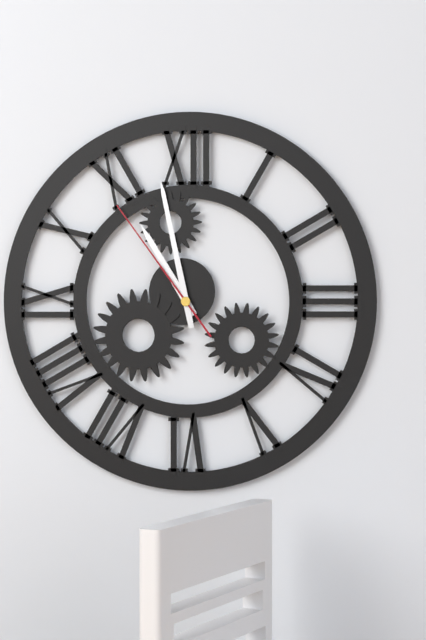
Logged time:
10,58,54
